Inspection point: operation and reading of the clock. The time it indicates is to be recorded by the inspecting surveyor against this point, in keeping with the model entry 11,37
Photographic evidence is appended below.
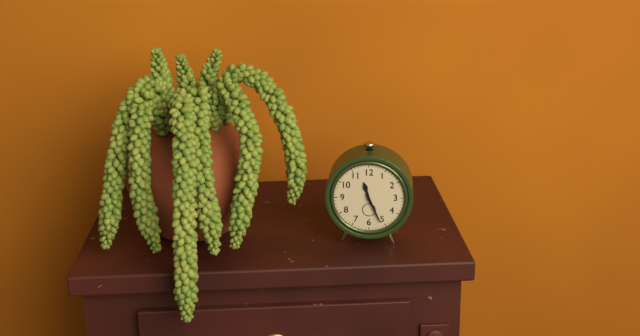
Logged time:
11,26
